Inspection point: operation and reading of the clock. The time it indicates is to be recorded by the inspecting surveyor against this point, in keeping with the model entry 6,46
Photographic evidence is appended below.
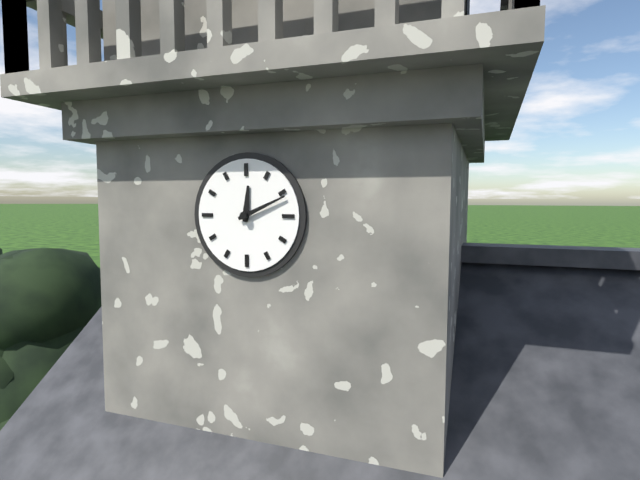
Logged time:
12,11
